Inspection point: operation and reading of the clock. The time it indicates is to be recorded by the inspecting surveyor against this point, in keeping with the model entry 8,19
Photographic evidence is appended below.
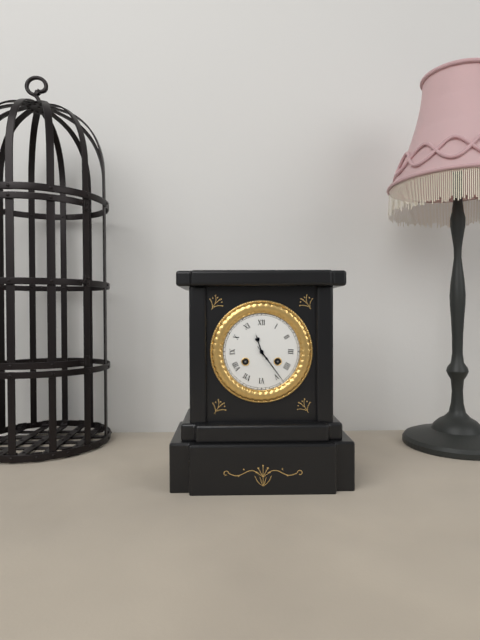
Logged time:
11,24
